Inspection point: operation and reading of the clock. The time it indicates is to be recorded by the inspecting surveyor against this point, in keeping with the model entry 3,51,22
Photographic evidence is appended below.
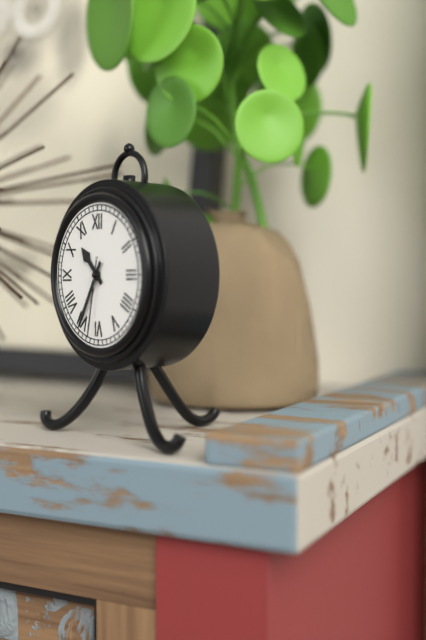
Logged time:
10,35,32
